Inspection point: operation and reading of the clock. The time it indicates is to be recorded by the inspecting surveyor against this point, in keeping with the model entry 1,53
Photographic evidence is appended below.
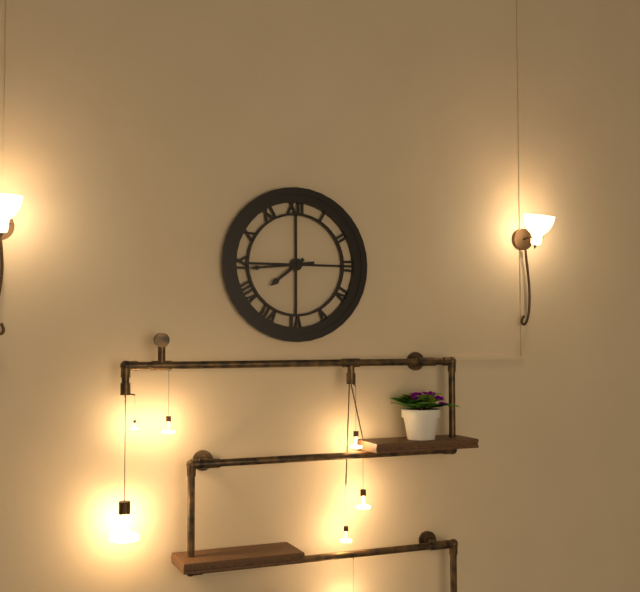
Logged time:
7,44
